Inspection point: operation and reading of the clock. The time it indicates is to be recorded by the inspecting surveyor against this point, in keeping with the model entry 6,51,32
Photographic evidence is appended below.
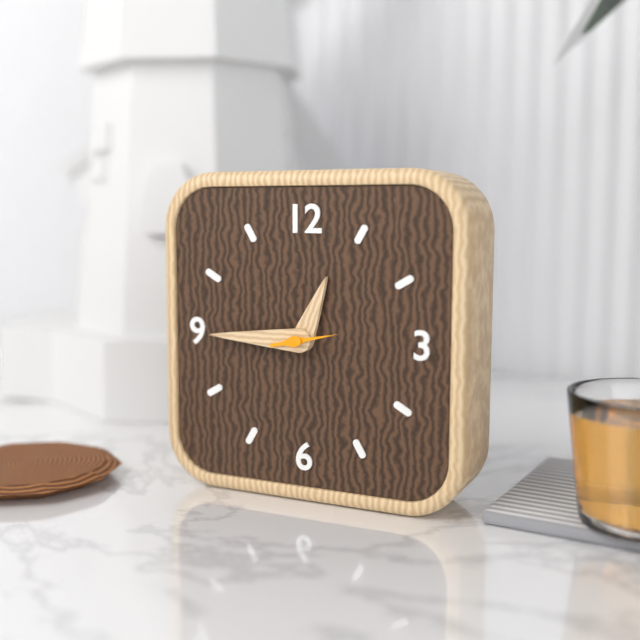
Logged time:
12,45,13
